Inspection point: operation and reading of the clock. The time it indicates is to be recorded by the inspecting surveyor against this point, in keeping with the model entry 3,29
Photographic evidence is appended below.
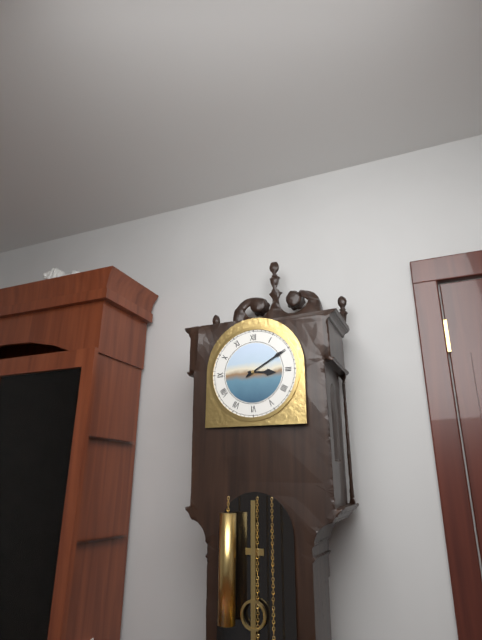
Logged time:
3,10
